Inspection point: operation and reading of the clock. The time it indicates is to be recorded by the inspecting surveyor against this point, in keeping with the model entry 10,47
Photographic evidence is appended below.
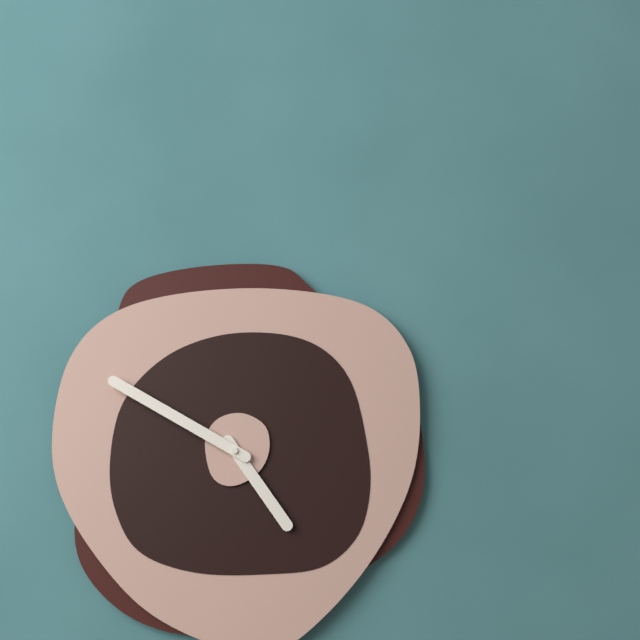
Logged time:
4,50
